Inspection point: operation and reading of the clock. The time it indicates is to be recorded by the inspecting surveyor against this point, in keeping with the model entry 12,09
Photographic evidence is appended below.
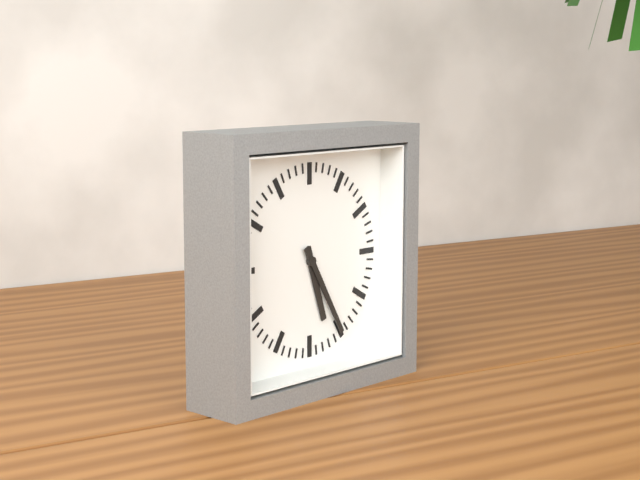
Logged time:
5,25
